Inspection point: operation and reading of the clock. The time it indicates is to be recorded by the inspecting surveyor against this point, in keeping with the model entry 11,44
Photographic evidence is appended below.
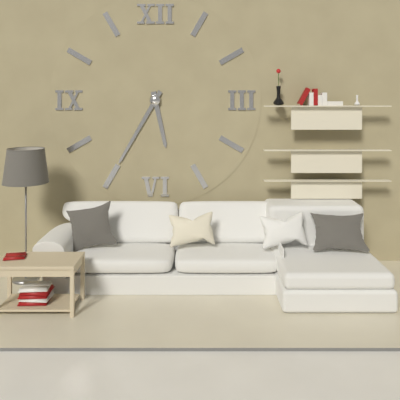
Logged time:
5,35
